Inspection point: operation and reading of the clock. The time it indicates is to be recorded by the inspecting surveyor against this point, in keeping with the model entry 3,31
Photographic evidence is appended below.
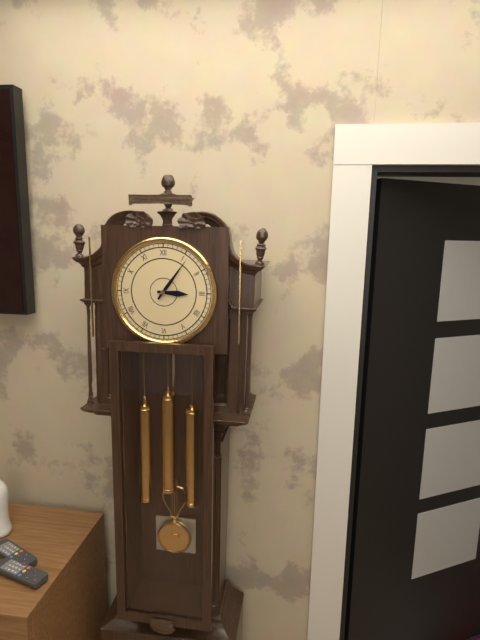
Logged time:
3,06
